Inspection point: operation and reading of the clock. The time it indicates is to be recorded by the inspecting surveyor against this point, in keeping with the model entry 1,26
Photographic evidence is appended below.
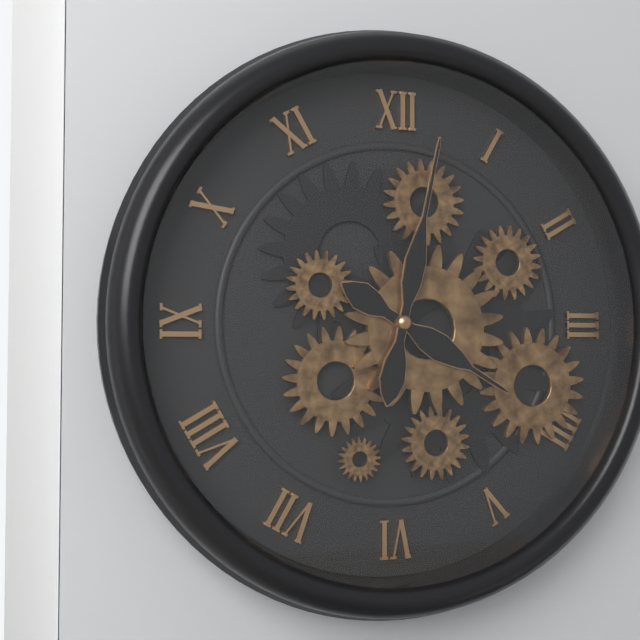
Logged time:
4,02
